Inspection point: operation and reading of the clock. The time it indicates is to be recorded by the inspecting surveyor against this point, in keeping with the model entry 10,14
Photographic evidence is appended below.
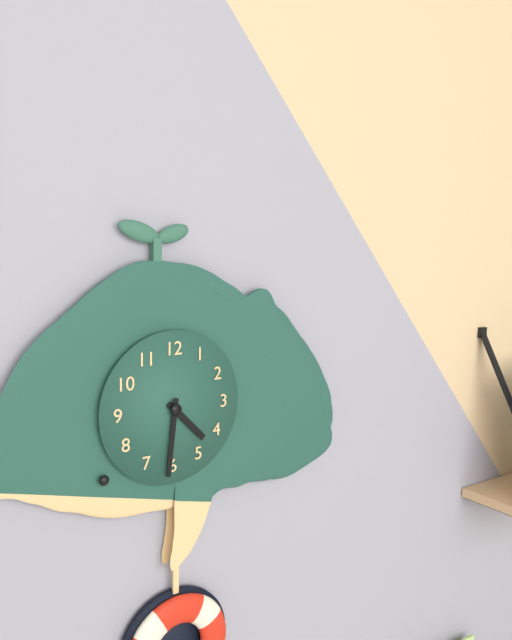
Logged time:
4,31
